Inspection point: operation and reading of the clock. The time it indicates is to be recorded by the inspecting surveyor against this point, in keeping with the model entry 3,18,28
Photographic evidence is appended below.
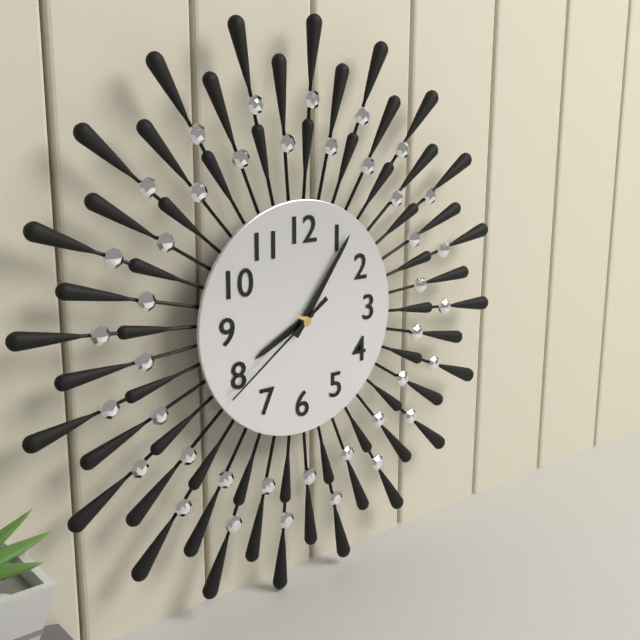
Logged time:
8,06,39
